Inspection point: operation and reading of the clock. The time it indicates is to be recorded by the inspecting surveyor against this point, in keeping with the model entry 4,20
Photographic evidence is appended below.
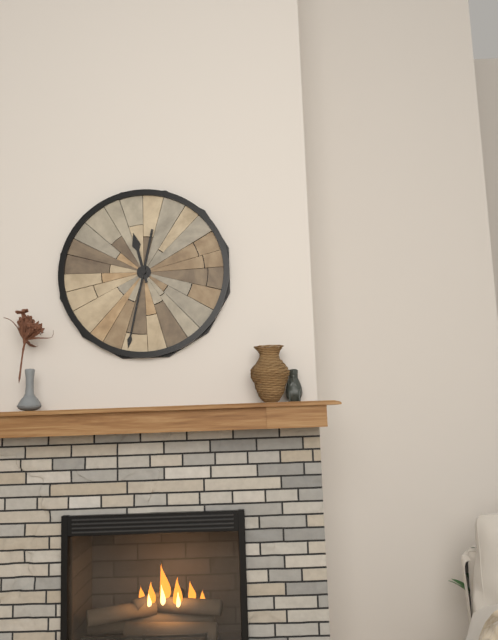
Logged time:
11,32
